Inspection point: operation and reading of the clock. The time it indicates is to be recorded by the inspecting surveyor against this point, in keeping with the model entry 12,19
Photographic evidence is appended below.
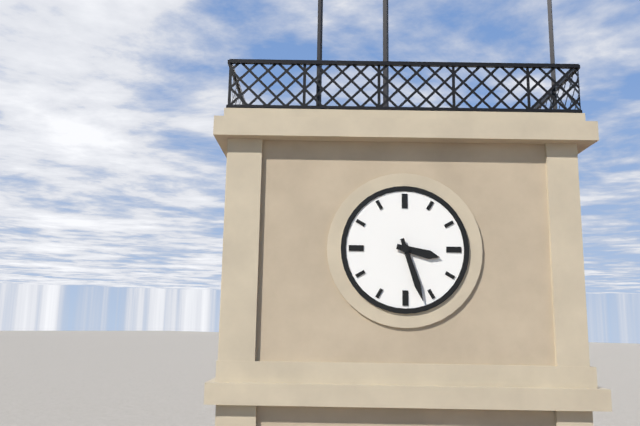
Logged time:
3,27
